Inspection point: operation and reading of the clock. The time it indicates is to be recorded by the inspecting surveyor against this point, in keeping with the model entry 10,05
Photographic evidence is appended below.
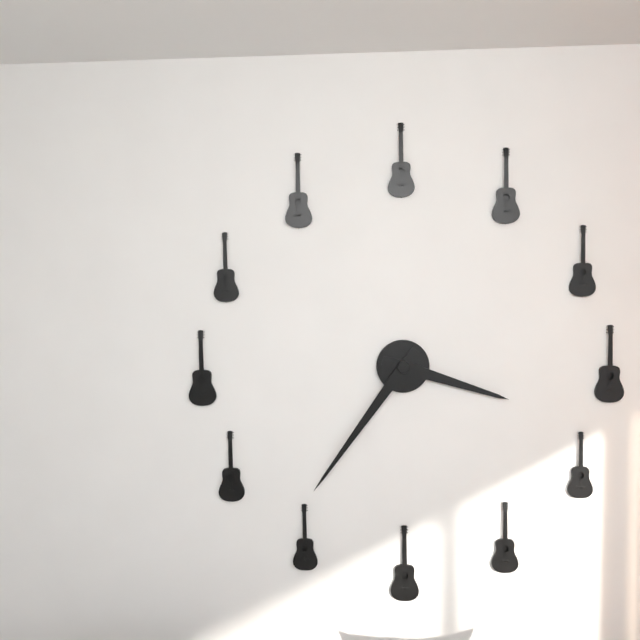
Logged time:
3,36
